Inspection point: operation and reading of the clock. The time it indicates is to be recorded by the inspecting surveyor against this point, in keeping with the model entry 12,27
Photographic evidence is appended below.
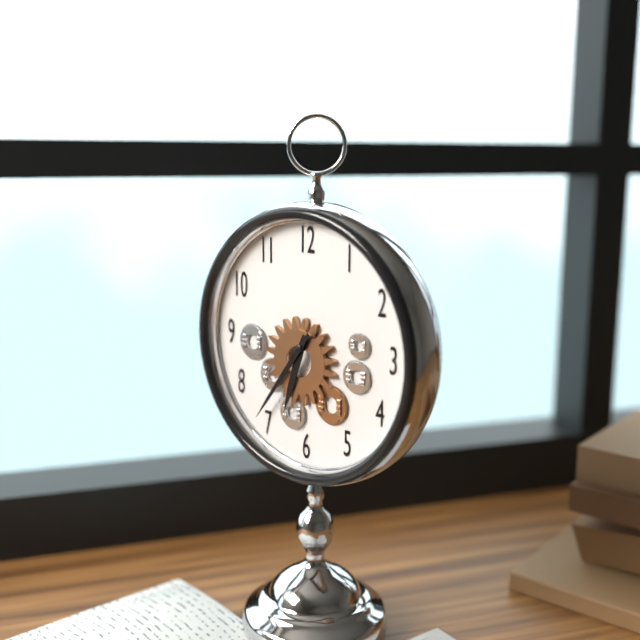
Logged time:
6,36
